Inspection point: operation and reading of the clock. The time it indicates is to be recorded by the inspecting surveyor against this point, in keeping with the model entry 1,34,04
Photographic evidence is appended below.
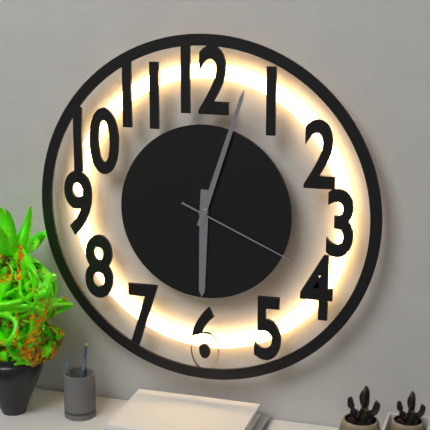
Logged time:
6,03,19
